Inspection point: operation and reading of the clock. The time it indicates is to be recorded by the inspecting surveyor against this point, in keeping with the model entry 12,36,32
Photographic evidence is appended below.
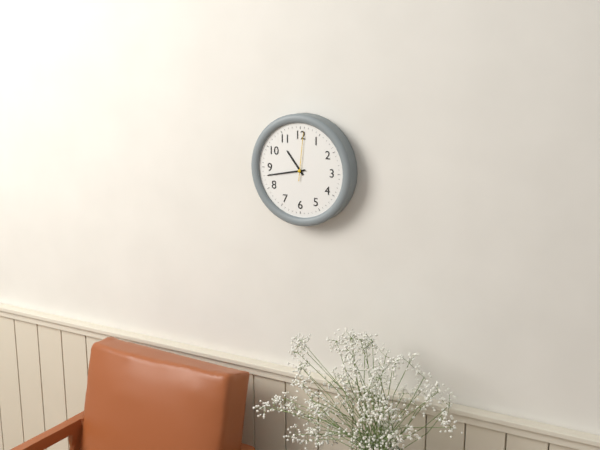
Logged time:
10,43,01
